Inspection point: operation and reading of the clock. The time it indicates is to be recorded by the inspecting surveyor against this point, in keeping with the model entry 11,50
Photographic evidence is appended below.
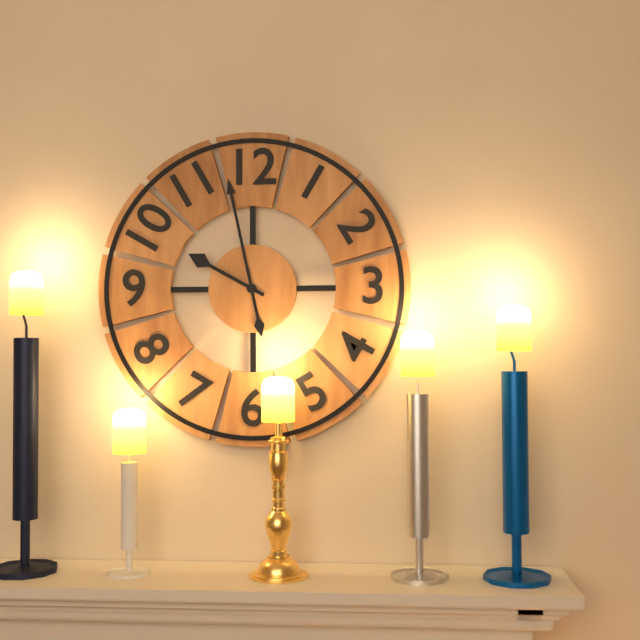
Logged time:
9,58
